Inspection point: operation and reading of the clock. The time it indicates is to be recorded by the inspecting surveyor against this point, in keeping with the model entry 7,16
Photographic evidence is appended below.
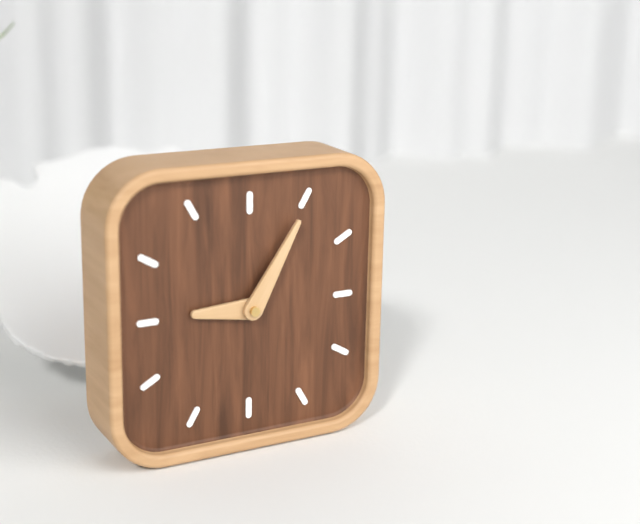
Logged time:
9,05
